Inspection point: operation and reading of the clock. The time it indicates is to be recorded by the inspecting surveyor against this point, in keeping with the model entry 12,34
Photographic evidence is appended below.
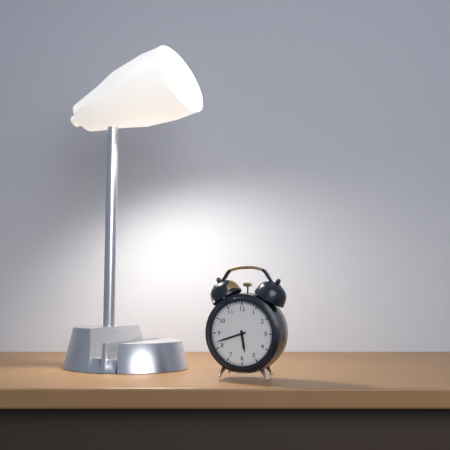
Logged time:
5,42
